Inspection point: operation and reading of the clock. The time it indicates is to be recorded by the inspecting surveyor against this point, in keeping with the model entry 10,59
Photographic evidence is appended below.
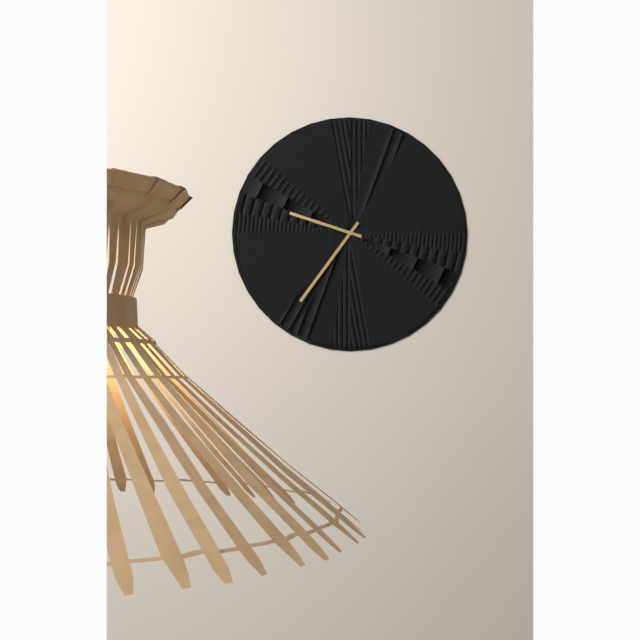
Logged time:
9,36
